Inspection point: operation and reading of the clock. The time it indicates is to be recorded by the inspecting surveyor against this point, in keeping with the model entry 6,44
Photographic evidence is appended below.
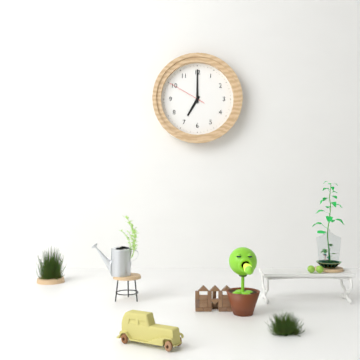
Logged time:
7,00
